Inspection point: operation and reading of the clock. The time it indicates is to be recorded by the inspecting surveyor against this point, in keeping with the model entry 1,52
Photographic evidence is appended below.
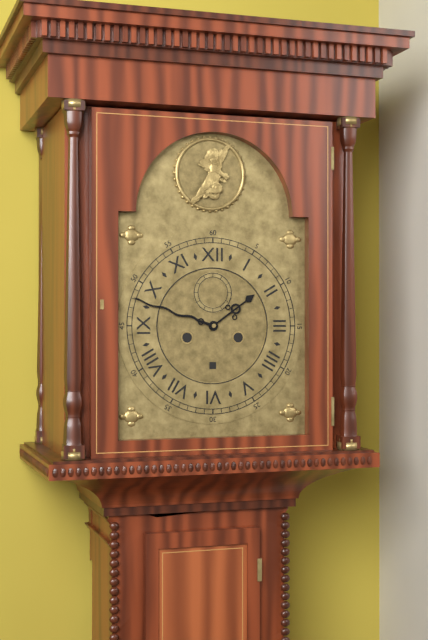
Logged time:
1,48
